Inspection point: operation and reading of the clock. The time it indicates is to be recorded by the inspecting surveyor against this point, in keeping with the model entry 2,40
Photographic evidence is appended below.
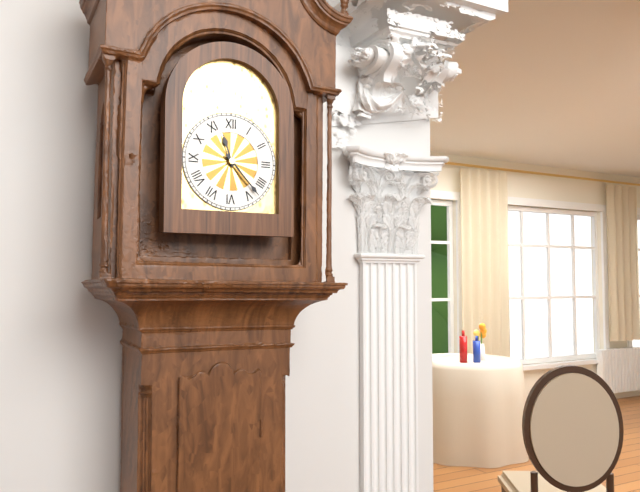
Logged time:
11,23
